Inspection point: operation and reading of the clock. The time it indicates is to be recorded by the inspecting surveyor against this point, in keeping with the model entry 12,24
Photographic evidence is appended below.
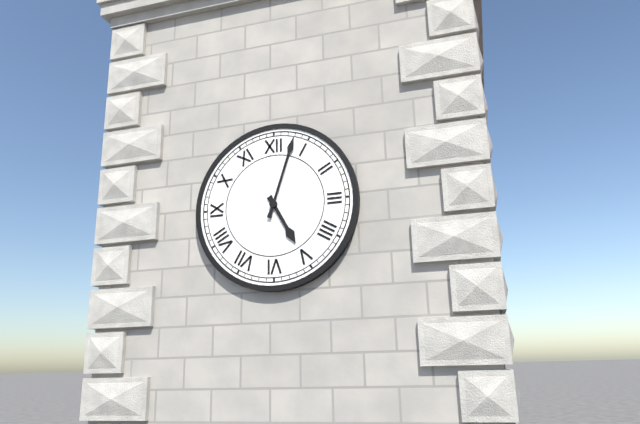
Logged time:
5,03
